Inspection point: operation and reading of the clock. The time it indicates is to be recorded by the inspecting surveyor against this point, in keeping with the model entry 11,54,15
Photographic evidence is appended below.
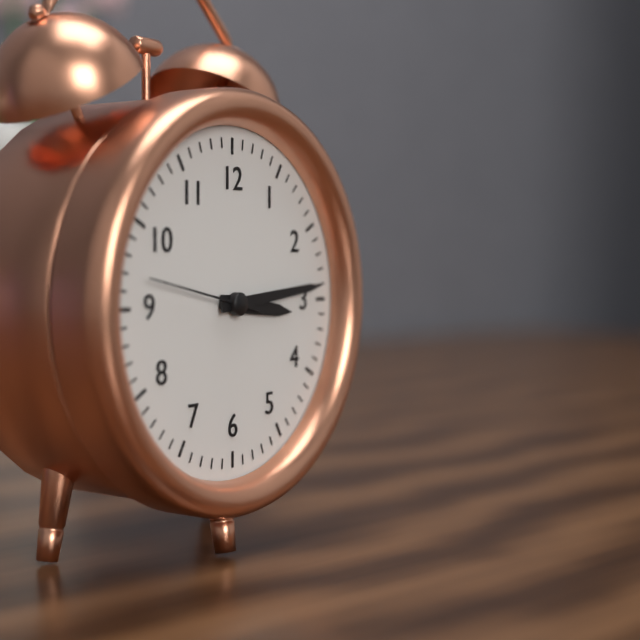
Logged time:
3,14,47
